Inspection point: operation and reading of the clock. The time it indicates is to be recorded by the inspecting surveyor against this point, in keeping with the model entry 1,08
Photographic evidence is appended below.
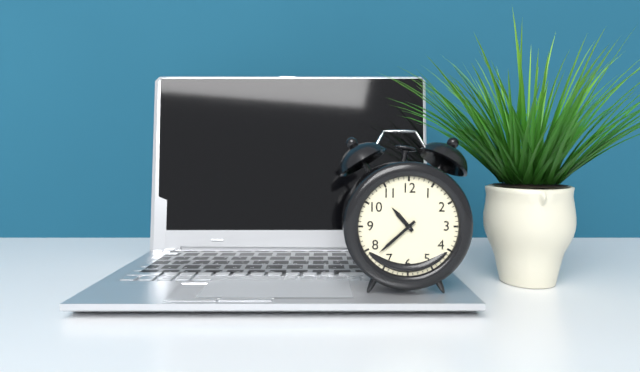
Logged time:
10,38
